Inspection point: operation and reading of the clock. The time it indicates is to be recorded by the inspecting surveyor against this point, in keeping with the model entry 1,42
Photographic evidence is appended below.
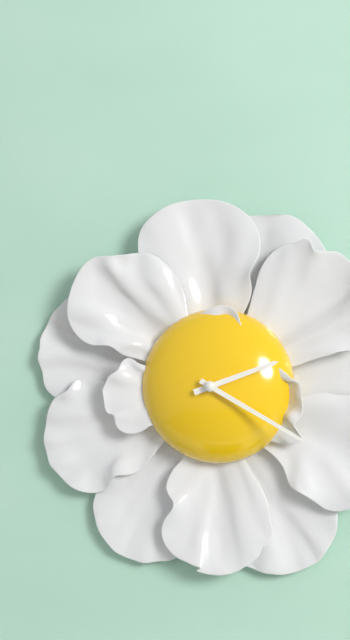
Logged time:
2,20
